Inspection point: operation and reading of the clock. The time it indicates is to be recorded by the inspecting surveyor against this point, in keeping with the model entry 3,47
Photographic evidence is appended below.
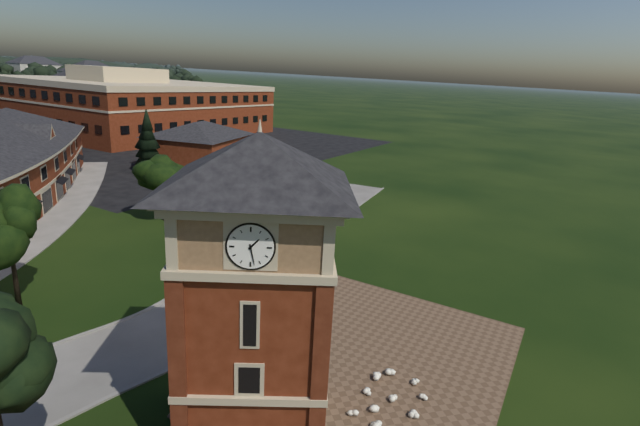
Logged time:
1,28
